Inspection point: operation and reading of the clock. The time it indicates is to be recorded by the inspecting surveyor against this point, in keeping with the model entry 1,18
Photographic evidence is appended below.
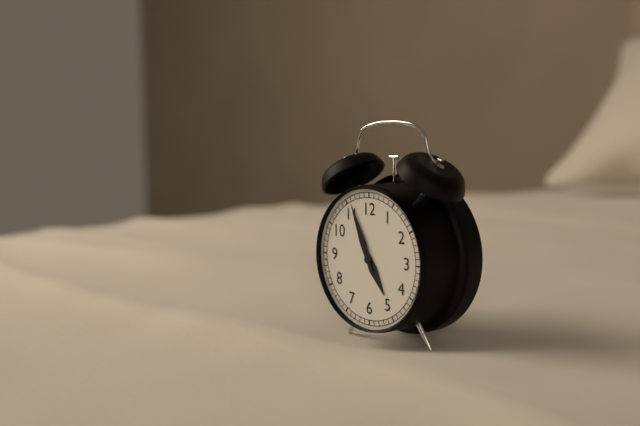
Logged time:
4,56
